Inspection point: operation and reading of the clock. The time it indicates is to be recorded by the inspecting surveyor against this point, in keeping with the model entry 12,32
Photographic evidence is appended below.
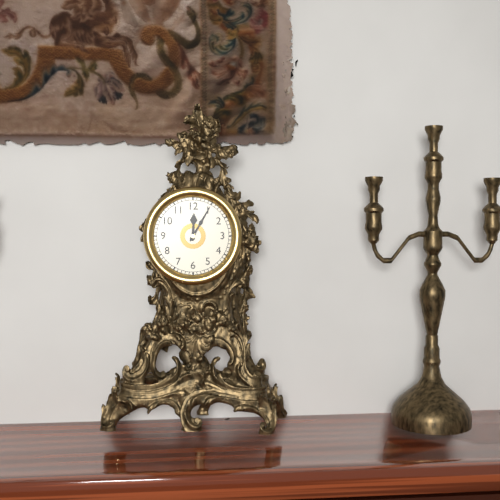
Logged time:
12,05
